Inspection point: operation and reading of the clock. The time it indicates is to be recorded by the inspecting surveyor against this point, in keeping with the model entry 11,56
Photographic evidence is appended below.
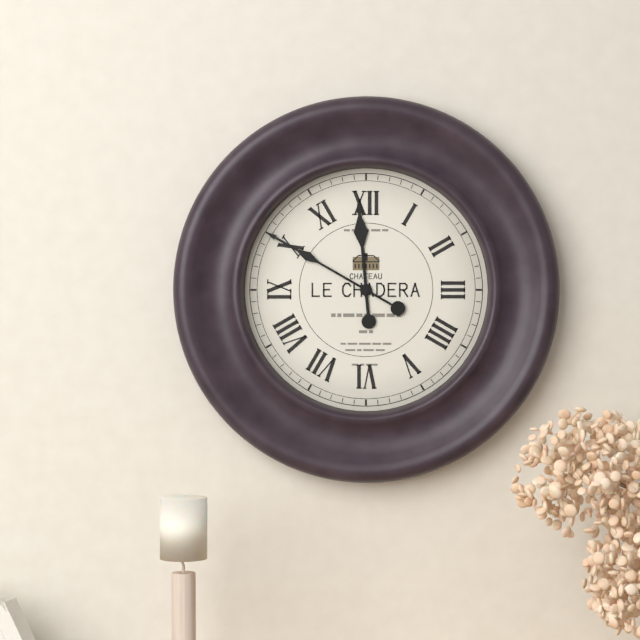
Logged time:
11,50
